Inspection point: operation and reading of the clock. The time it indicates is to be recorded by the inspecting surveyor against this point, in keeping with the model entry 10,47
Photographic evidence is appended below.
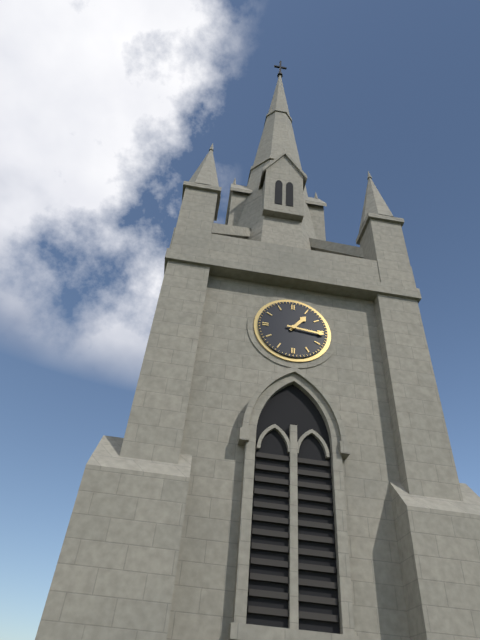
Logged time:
1,16
